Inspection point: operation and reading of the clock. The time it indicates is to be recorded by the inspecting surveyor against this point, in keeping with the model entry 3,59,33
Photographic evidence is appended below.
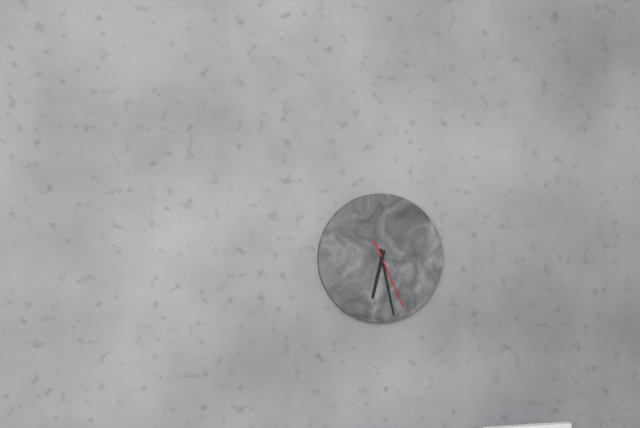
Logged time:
6,28,26
